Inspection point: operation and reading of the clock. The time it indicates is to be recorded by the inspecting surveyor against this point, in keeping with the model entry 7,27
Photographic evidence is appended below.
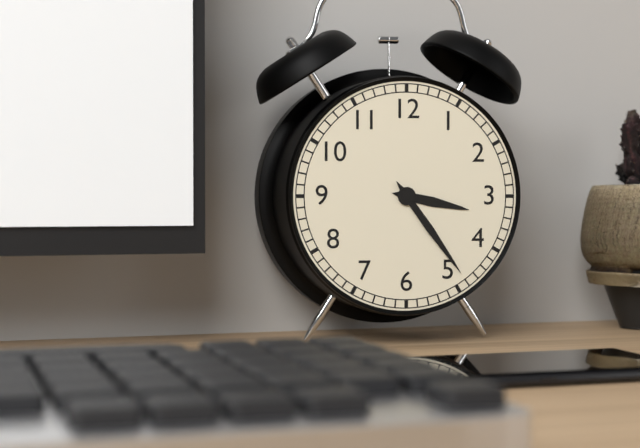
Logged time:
3,24
